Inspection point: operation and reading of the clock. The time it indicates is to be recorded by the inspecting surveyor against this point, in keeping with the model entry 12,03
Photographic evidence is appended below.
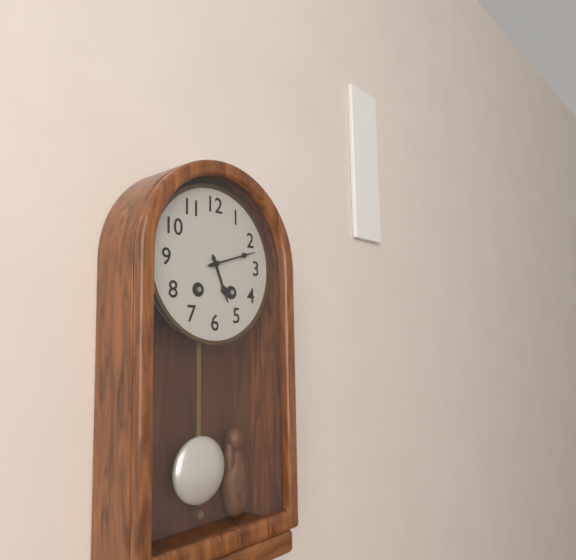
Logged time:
5,12
